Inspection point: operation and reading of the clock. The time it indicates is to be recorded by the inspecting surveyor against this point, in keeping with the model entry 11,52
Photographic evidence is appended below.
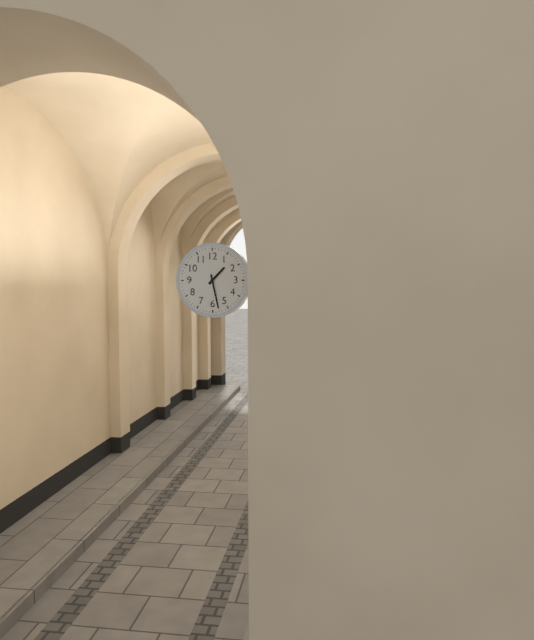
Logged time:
1,28
